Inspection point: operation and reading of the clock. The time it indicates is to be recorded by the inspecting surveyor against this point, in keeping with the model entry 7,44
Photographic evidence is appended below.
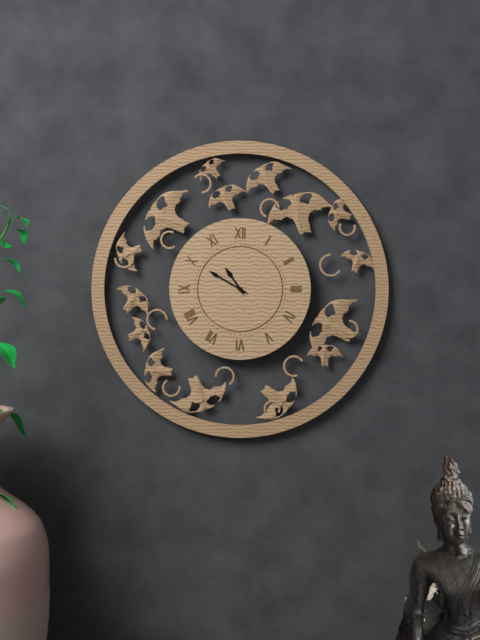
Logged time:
10,50
